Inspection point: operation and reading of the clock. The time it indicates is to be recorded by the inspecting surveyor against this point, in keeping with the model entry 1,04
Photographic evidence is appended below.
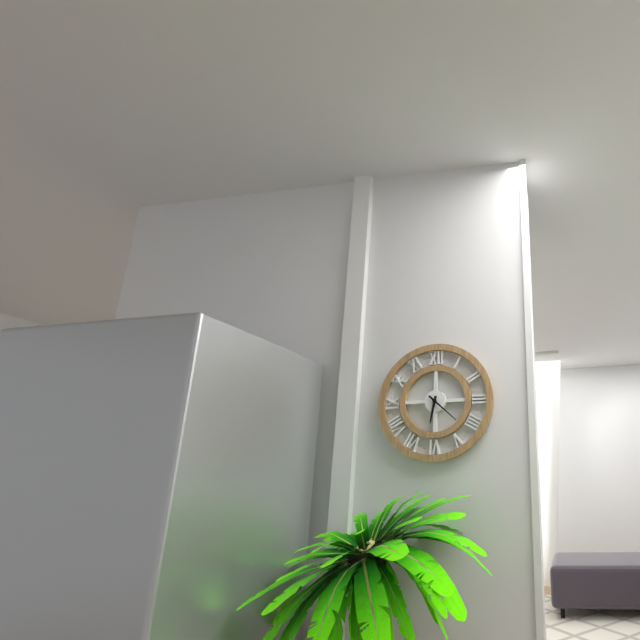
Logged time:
6,22
